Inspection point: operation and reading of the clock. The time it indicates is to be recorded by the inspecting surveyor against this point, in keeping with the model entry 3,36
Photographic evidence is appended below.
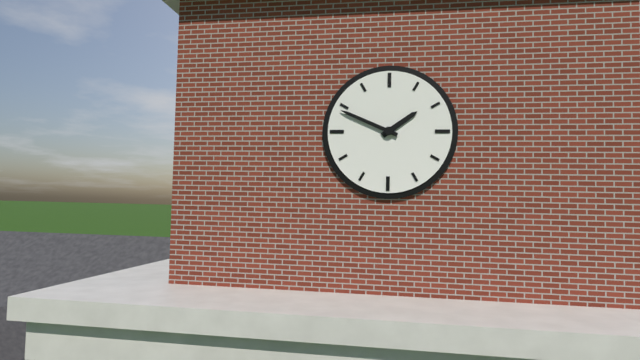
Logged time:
1,49
